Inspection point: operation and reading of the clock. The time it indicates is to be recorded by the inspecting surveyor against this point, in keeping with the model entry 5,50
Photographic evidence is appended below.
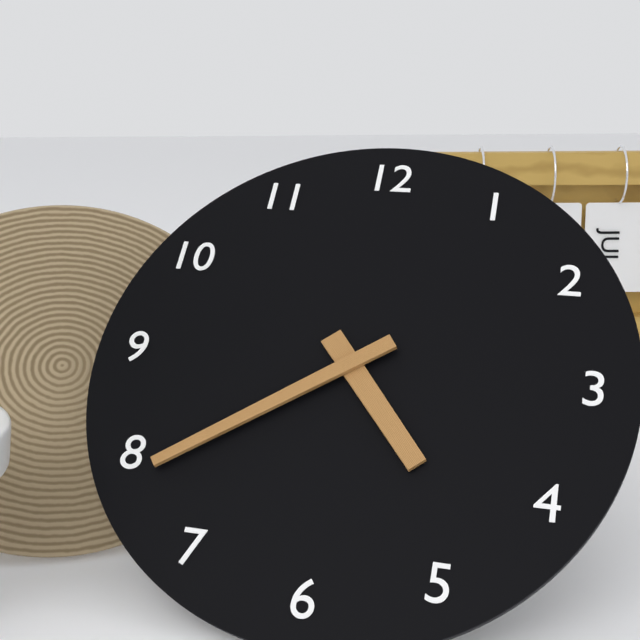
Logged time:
4,39
